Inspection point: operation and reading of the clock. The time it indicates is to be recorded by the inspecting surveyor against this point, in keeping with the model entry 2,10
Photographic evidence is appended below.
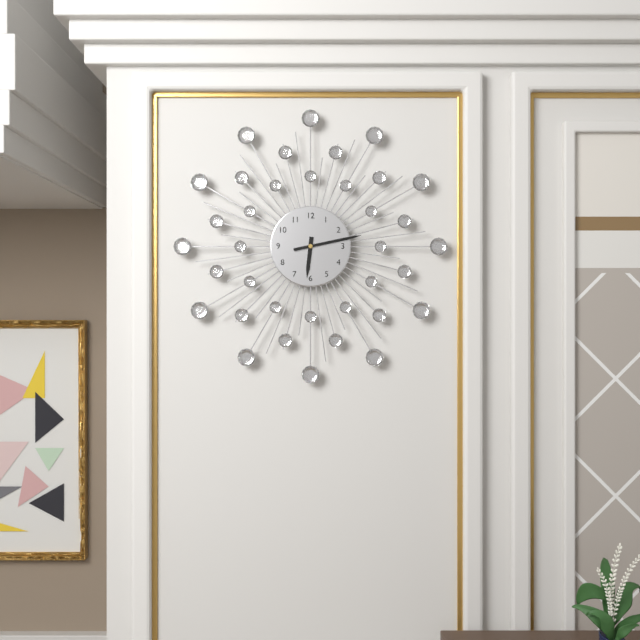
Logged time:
6,13
